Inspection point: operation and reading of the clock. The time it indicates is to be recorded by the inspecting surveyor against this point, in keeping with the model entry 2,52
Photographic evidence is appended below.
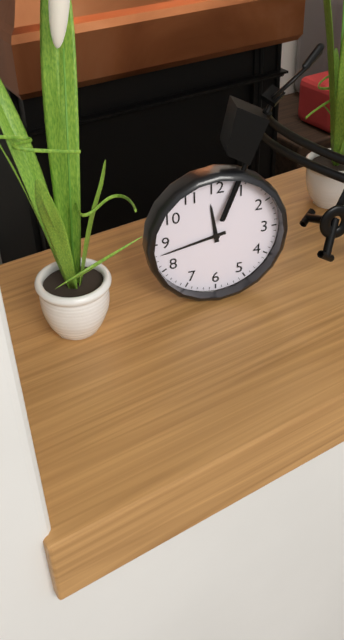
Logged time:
11,43
